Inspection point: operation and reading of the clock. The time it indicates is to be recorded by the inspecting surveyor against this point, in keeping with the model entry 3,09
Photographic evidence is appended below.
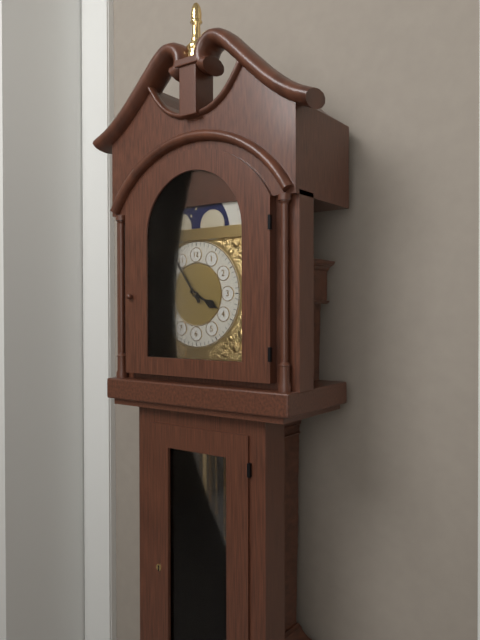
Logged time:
3,54
